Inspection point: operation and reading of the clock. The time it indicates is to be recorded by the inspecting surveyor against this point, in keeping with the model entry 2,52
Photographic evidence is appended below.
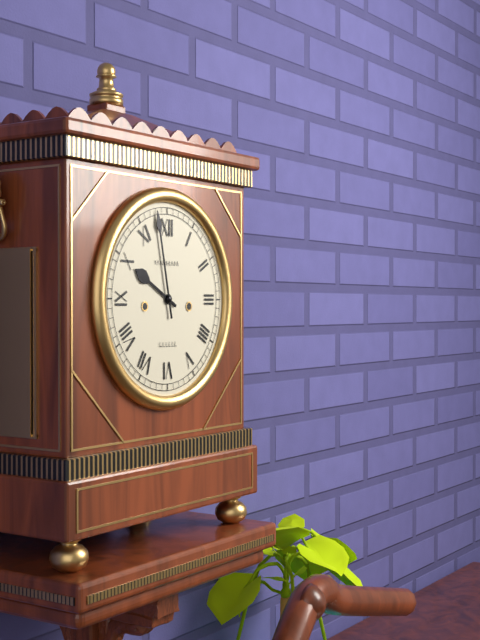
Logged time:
9,58
